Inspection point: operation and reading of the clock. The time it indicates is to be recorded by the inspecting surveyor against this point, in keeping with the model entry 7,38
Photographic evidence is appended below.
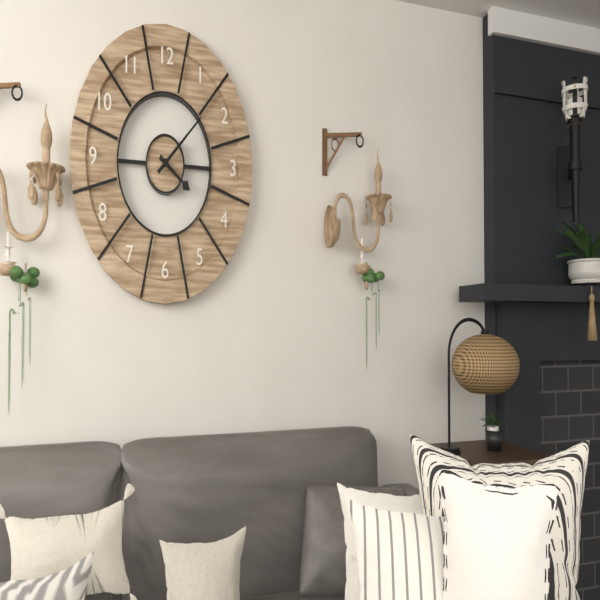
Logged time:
4,08
